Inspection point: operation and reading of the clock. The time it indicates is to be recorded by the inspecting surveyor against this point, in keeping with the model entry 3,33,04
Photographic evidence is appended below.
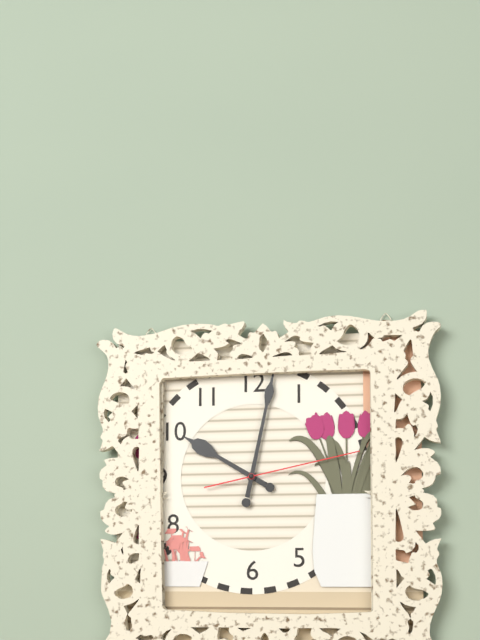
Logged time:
10,02,13
